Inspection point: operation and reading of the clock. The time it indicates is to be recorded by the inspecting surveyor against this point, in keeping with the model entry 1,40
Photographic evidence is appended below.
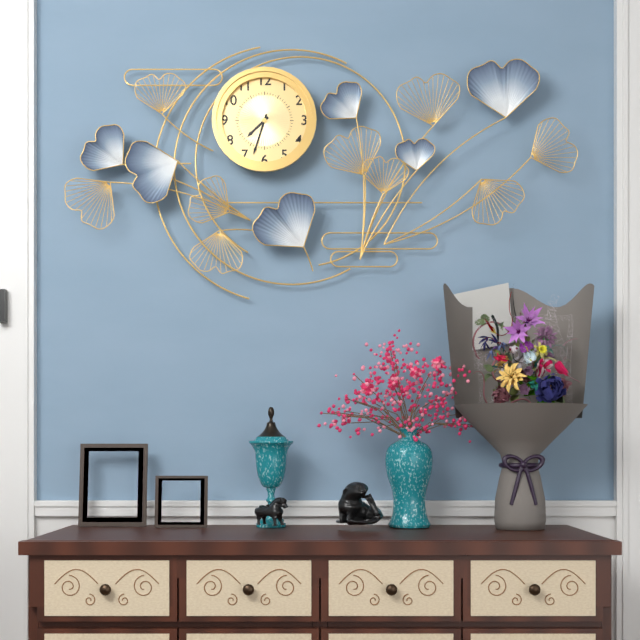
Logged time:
7,33
